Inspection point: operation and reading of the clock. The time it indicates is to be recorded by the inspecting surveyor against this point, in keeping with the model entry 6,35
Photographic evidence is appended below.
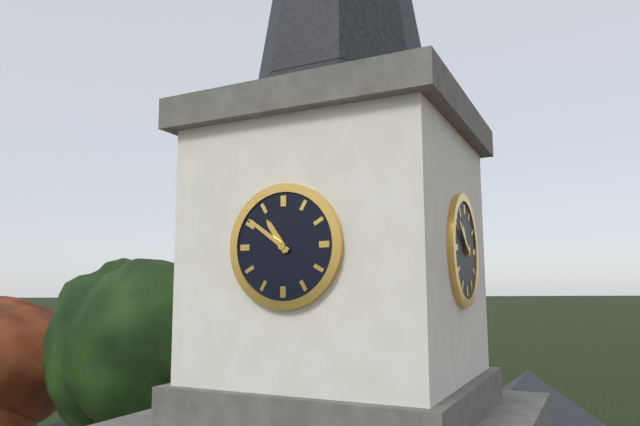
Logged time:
10,51
